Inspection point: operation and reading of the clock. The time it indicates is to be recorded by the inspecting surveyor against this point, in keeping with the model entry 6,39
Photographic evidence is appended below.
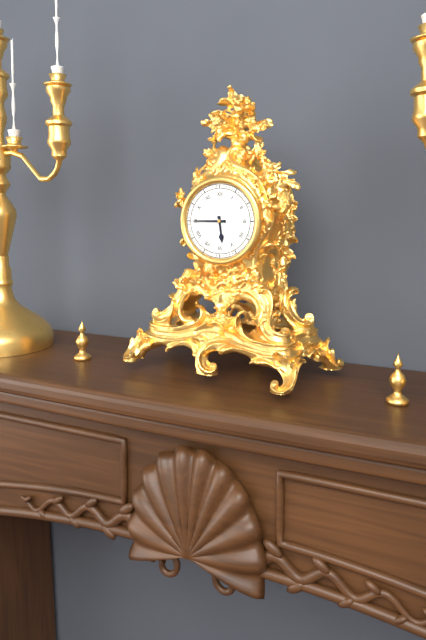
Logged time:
5,45
